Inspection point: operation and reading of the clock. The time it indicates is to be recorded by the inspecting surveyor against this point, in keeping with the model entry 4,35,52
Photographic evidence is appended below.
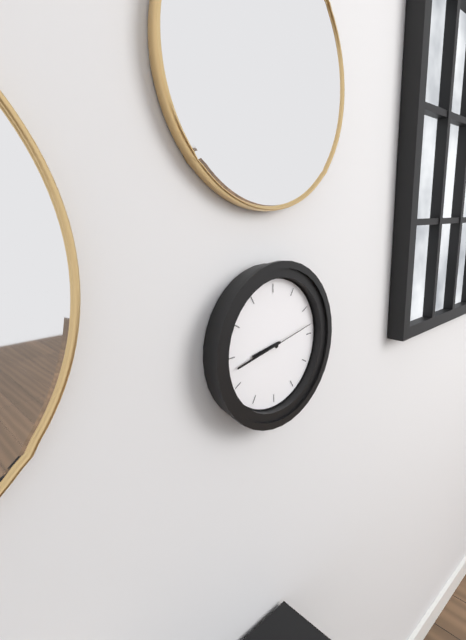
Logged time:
8,43,13
